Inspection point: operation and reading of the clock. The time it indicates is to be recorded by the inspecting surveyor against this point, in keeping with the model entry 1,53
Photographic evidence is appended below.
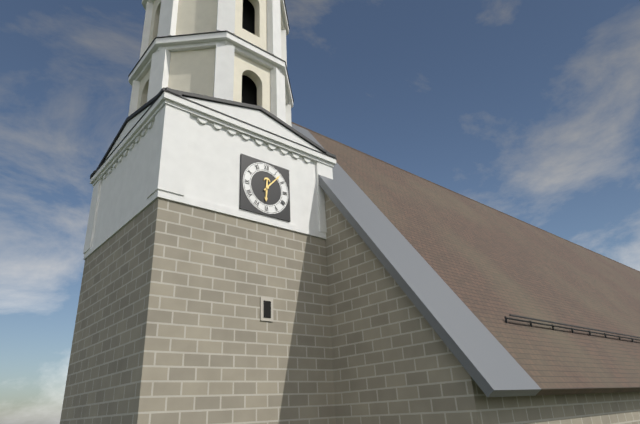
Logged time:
6,07
